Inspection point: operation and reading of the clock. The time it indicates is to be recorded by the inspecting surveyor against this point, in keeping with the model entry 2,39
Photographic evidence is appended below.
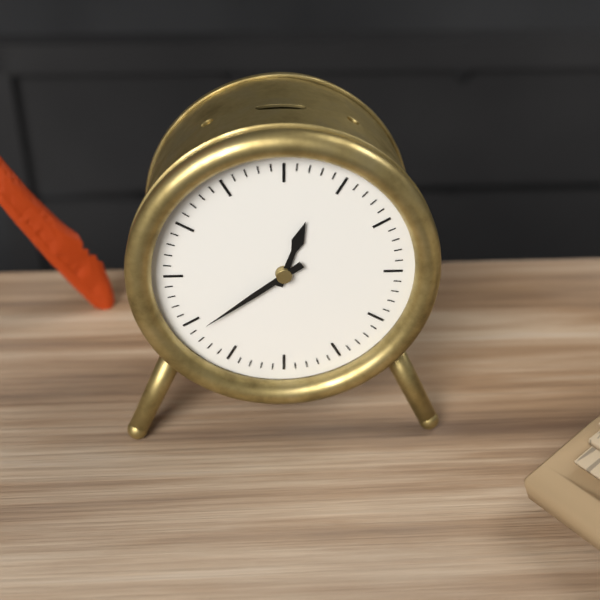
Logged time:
12,39
